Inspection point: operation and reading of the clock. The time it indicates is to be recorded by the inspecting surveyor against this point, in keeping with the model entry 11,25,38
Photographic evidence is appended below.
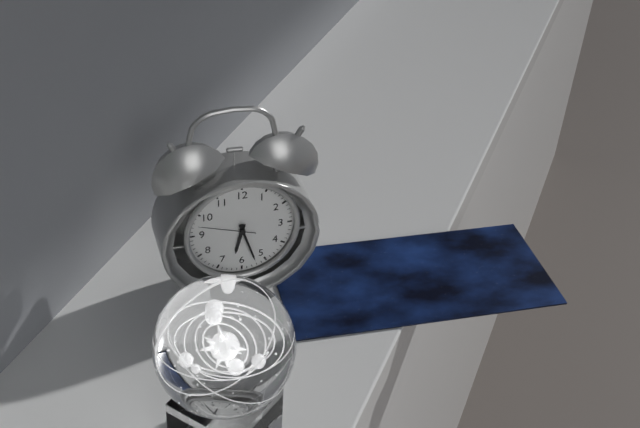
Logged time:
6,27,48
